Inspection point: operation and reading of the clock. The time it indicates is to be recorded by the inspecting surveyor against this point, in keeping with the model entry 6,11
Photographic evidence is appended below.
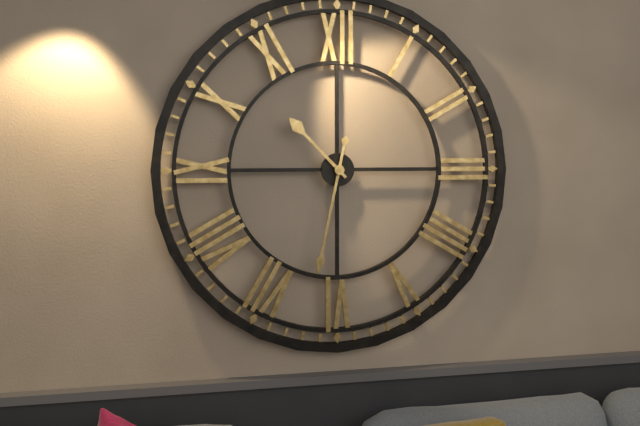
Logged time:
10,32
